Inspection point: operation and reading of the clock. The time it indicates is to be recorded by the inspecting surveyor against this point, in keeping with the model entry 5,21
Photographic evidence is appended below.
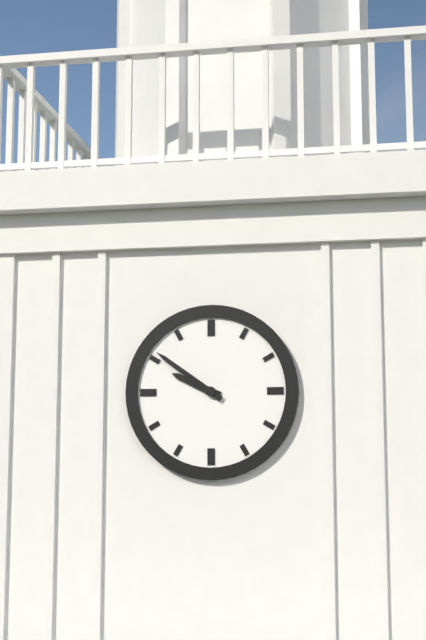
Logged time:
9,51
